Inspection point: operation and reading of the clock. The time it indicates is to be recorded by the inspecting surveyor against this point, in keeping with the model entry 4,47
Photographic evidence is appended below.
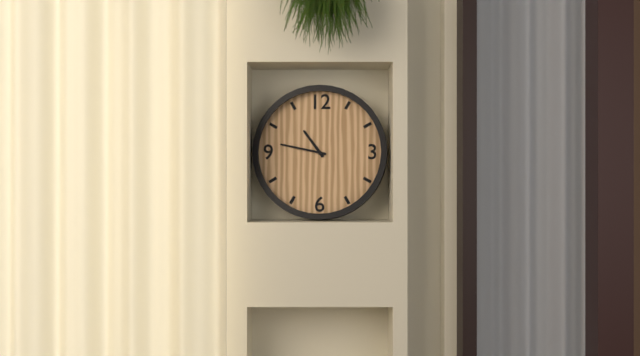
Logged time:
10,47
